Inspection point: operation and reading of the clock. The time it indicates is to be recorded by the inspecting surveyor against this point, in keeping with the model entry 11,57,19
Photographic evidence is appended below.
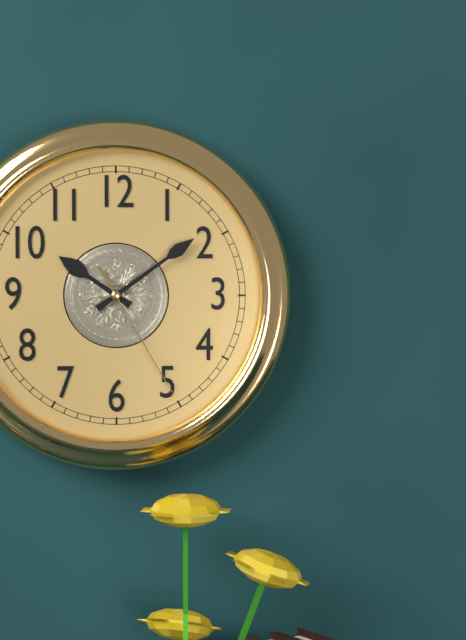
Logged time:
10,09,25
